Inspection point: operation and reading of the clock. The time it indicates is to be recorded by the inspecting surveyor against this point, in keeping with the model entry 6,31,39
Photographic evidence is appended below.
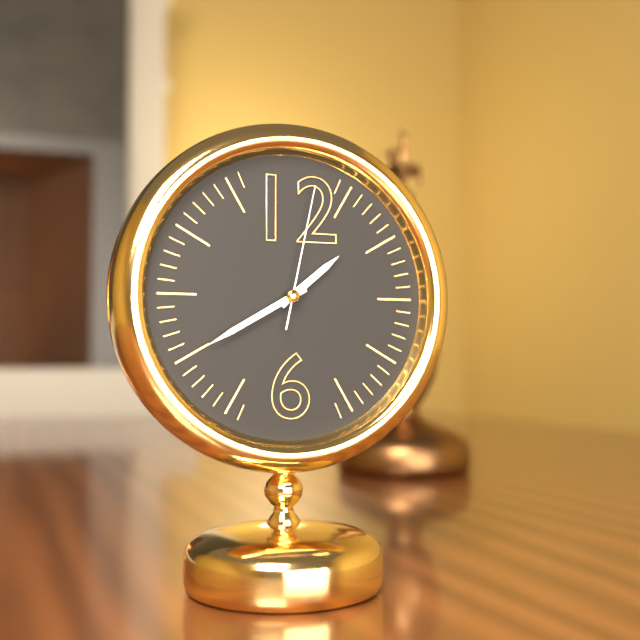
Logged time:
1,40,02
